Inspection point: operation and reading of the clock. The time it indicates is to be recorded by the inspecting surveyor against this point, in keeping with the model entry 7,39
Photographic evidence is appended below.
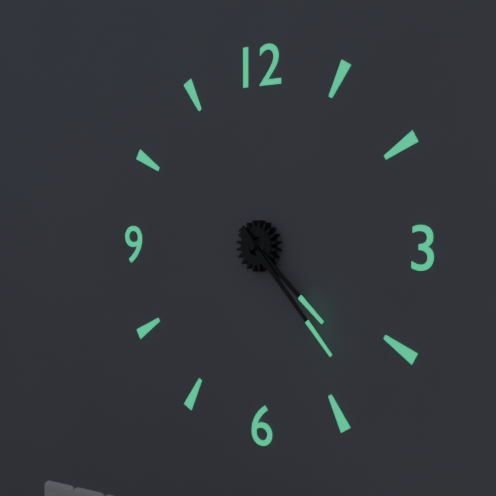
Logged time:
4,23
